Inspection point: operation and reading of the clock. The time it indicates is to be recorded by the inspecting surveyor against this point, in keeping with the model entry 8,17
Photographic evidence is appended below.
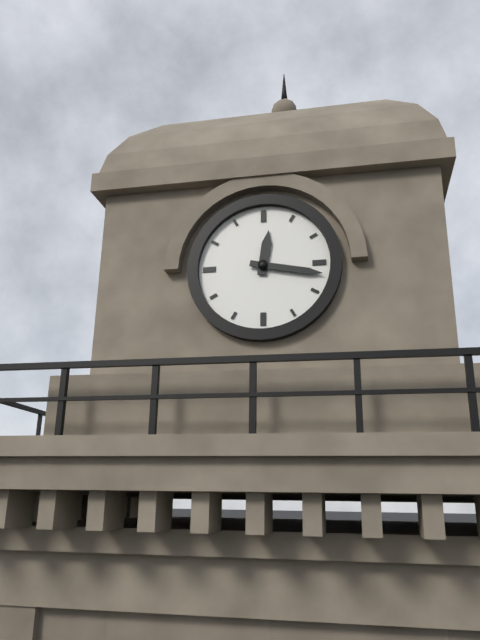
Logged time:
12,17
